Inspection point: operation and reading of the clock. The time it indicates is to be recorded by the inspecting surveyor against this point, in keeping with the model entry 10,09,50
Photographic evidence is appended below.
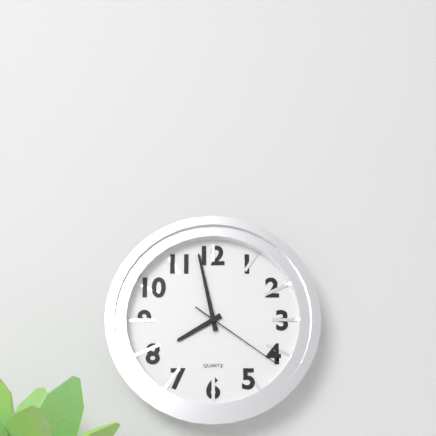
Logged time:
7,58,21
